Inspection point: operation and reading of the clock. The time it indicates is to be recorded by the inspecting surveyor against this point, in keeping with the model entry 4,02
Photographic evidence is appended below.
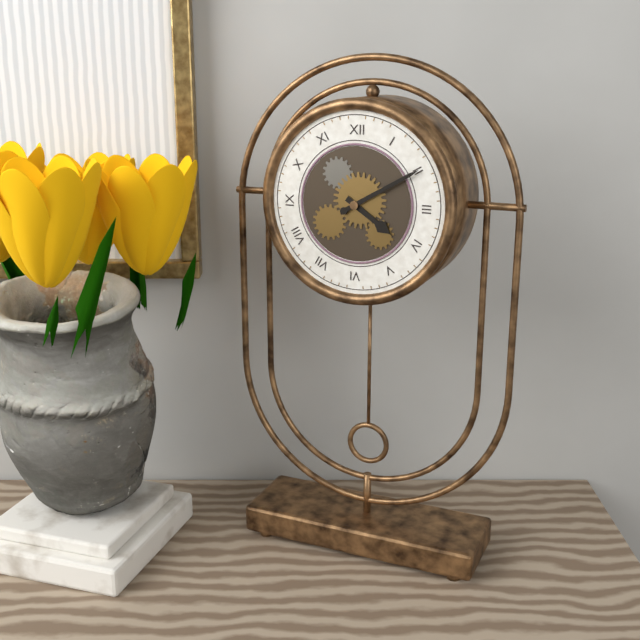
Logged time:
4,10
